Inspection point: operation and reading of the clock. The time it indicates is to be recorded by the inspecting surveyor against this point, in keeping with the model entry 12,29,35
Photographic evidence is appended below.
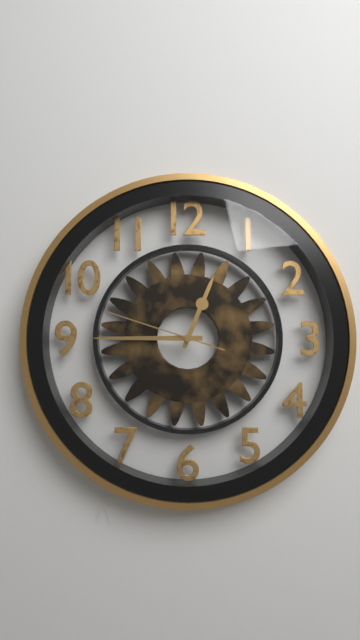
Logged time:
12,45,48
